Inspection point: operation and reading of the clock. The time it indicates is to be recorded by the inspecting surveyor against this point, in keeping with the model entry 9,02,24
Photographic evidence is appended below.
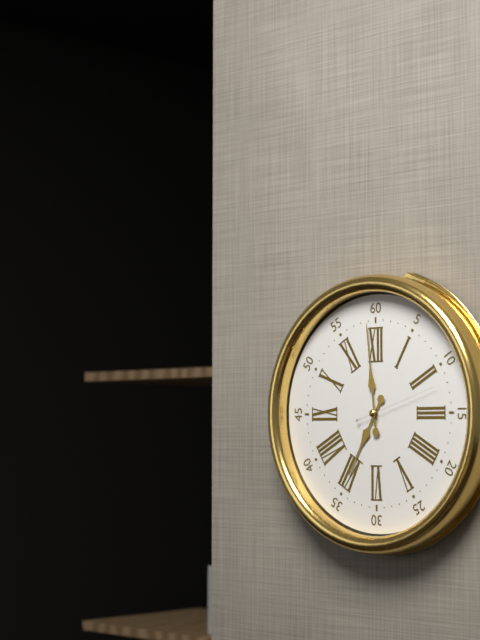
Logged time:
6,59,12
